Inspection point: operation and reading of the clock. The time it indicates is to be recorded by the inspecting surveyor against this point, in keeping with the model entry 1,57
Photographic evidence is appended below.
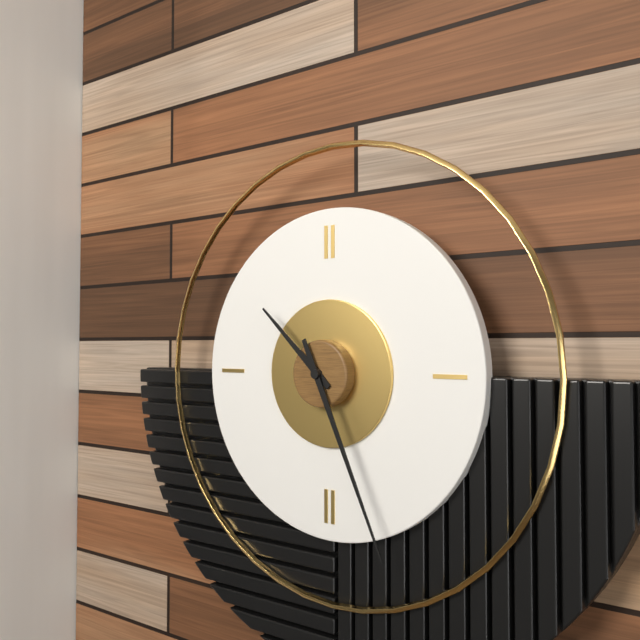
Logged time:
10,26
